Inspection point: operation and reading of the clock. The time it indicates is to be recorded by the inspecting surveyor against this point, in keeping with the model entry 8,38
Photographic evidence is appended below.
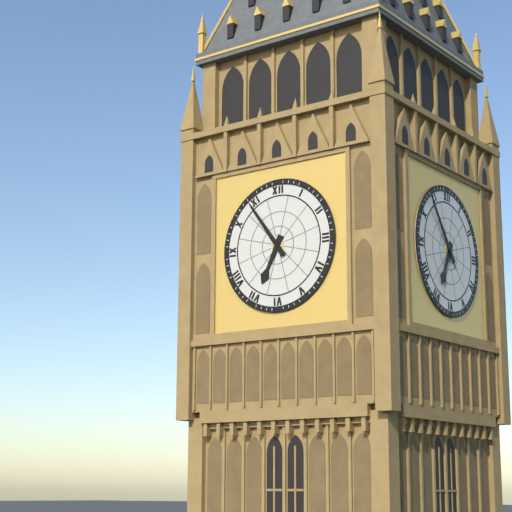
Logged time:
6,54
